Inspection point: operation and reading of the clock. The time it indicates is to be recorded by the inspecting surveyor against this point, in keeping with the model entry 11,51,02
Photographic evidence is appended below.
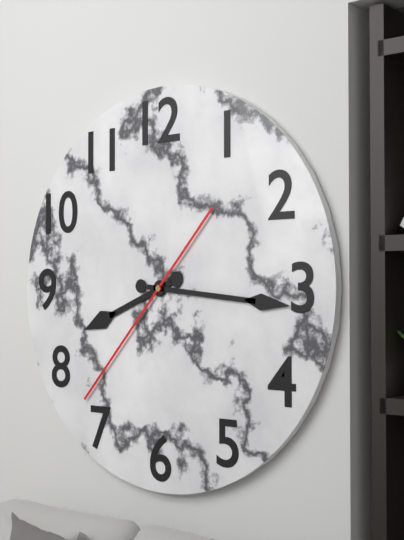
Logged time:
8,16,37
